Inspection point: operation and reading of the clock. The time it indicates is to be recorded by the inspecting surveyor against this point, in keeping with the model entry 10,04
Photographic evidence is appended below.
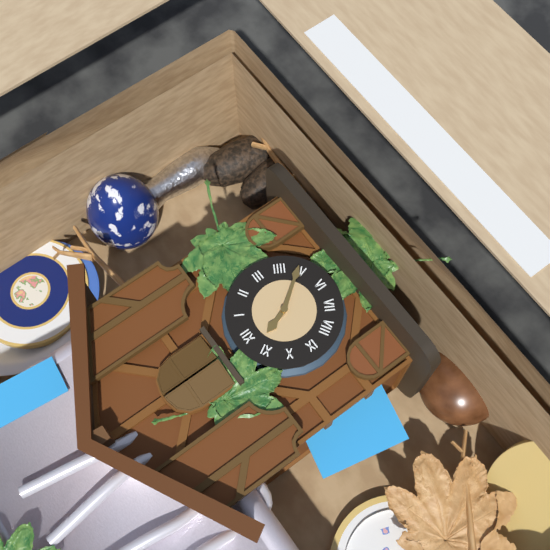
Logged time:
11,24
